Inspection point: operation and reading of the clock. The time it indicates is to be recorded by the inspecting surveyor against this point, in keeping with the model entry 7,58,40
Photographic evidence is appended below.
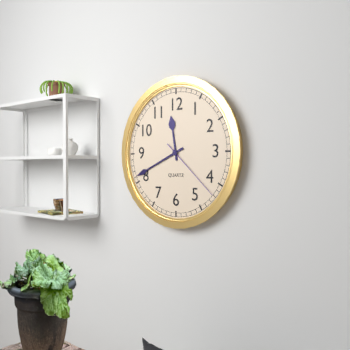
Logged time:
11,41,22
